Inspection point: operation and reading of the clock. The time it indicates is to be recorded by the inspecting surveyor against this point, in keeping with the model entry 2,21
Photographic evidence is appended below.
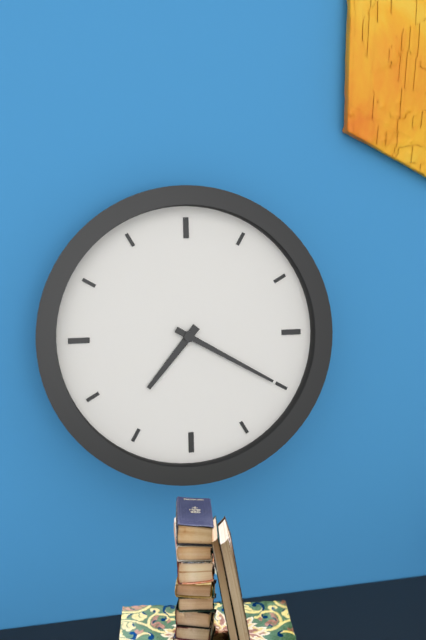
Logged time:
7,20
